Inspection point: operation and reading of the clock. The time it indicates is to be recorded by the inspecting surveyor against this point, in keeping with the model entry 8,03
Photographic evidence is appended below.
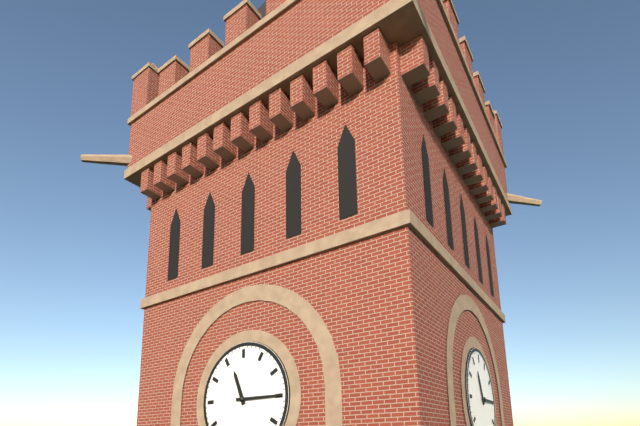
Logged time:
11,15
